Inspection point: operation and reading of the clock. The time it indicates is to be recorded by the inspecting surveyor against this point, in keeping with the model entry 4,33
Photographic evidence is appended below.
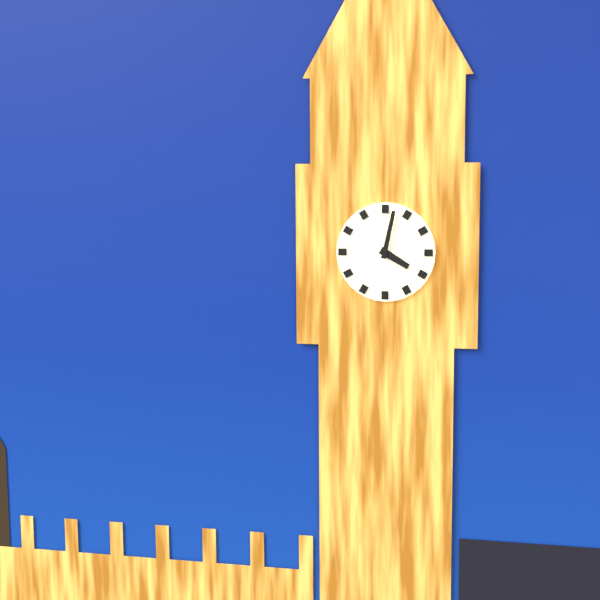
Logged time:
4,02
